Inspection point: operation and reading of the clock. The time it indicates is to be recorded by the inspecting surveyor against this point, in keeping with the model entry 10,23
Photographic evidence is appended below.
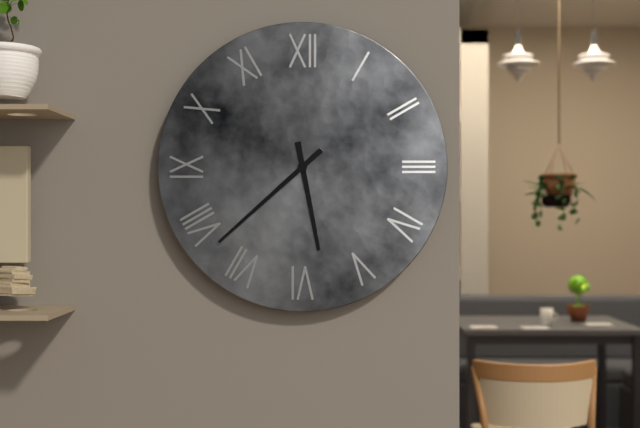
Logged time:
5,38
